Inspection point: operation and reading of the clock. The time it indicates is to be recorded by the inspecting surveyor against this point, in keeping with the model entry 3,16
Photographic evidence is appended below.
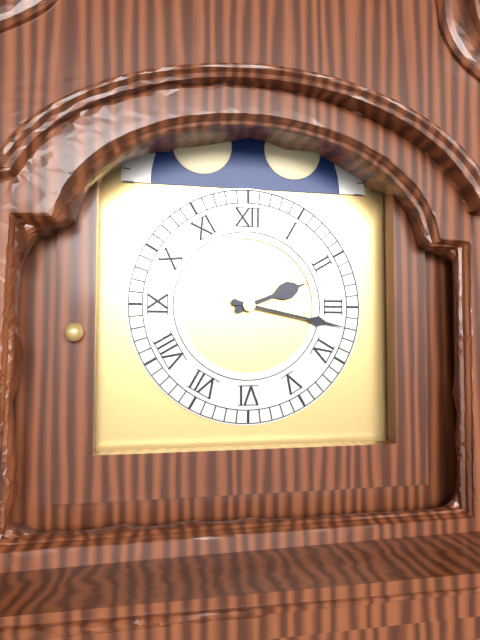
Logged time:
2,17
